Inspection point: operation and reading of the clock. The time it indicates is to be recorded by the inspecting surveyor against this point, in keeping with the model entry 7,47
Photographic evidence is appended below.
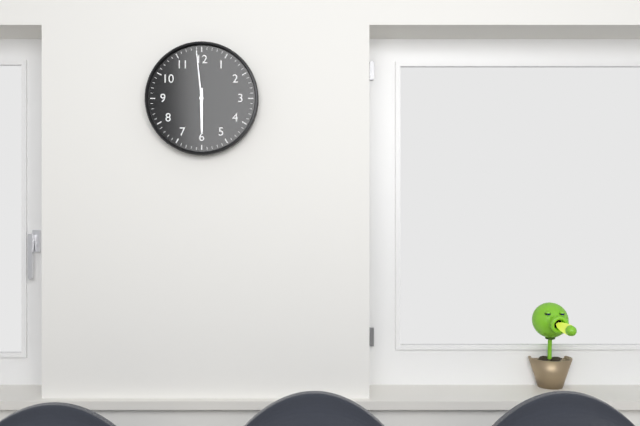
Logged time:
5,59
